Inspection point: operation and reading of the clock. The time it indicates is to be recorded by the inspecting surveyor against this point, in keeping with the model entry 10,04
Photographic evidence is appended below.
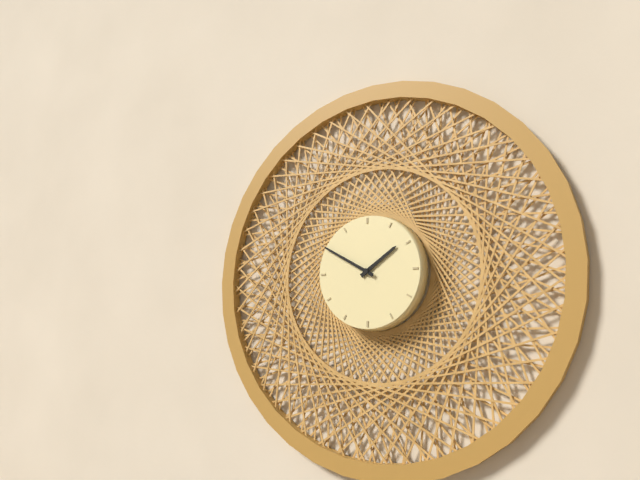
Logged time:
1,50
